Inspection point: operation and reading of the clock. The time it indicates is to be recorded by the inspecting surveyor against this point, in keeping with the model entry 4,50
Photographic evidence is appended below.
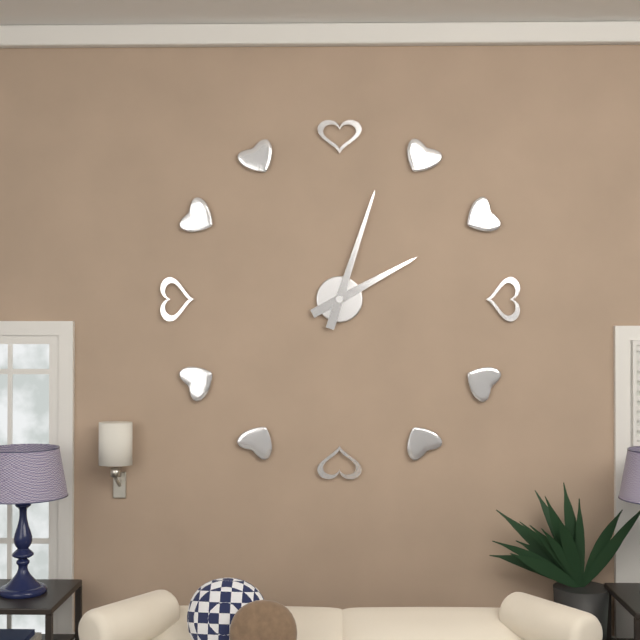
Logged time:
2,03
